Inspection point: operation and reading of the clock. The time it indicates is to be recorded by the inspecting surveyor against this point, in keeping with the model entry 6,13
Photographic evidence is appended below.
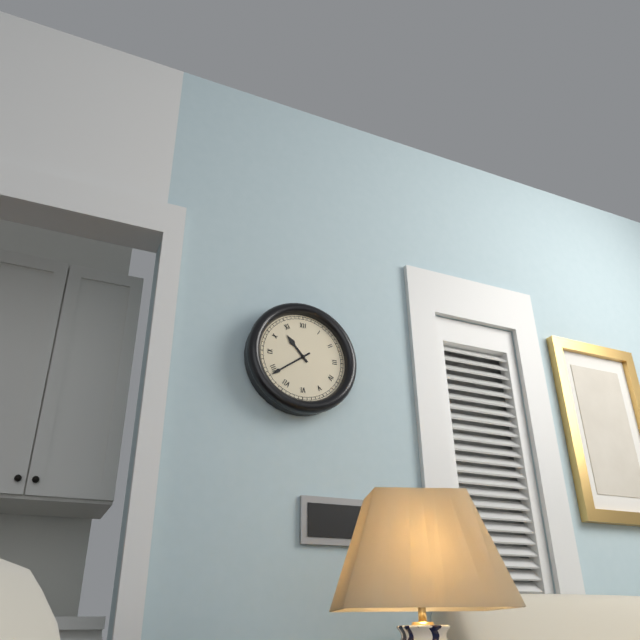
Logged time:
10,39
